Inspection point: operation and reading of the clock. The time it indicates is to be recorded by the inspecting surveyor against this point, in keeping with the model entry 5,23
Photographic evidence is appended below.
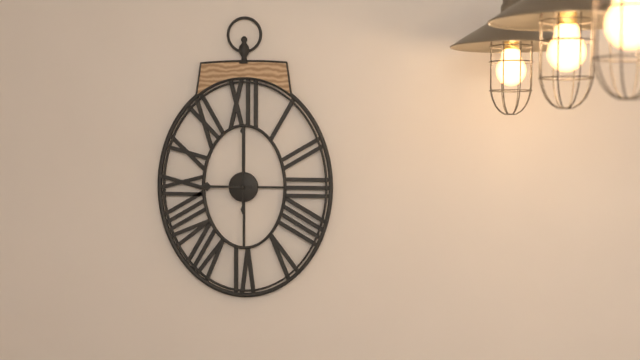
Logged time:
9,00
